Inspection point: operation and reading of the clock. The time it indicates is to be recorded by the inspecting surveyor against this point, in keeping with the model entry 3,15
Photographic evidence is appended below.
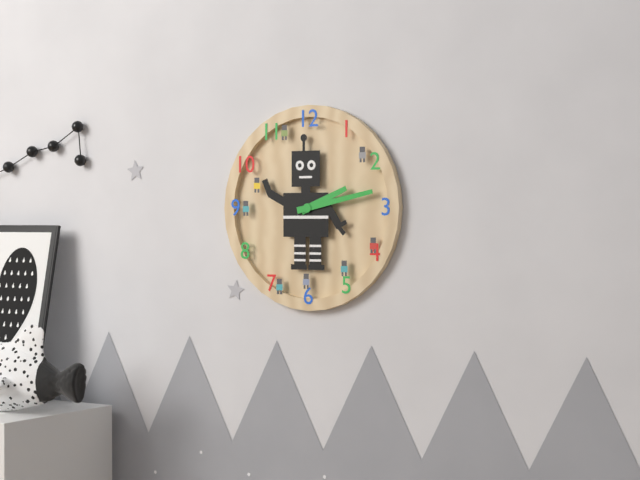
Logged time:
2,13
